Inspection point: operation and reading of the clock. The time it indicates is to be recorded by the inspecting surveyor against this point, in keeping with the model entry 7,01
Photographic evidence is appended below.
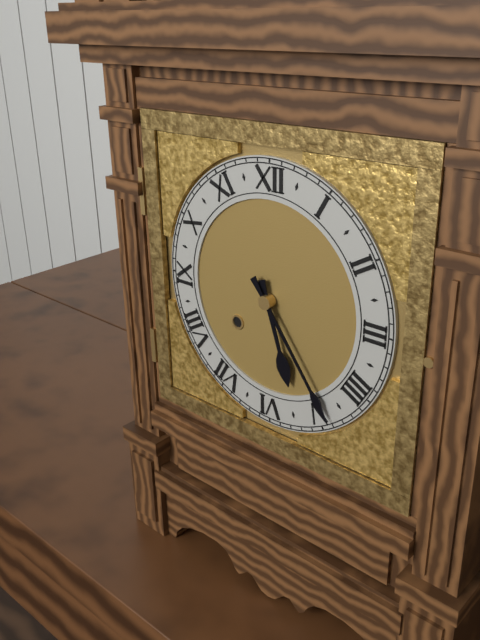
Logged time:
5,24
